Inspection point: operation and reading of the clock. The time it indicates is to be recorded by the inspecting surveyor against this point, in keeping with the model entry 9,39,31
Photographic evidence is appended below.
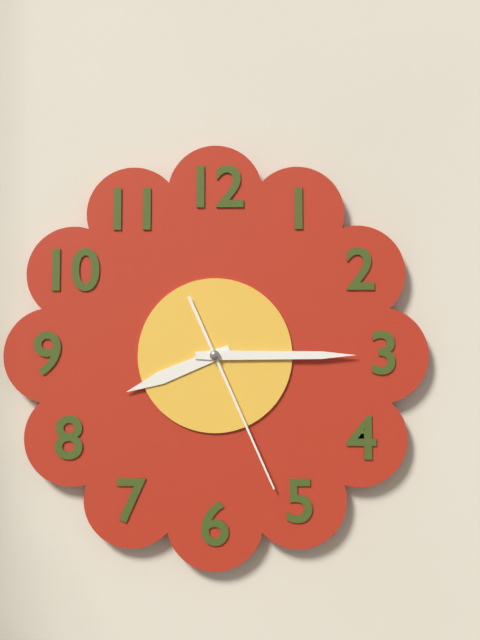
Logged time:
8,15,26
